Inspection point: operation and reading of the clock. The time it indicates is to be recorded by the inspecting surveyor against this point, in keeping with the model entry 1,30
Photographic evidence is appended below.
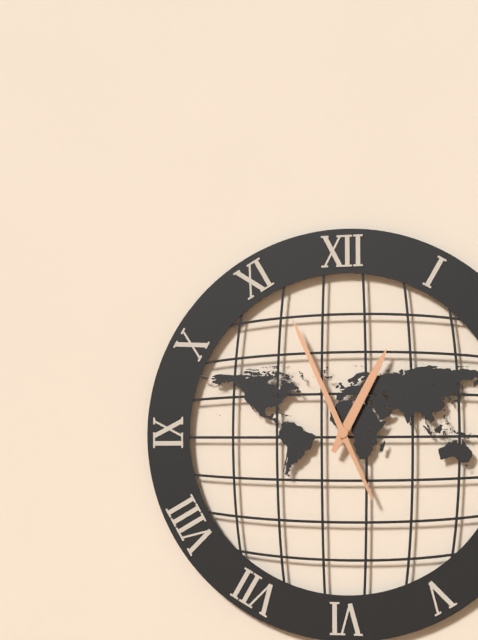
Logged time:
12,56
